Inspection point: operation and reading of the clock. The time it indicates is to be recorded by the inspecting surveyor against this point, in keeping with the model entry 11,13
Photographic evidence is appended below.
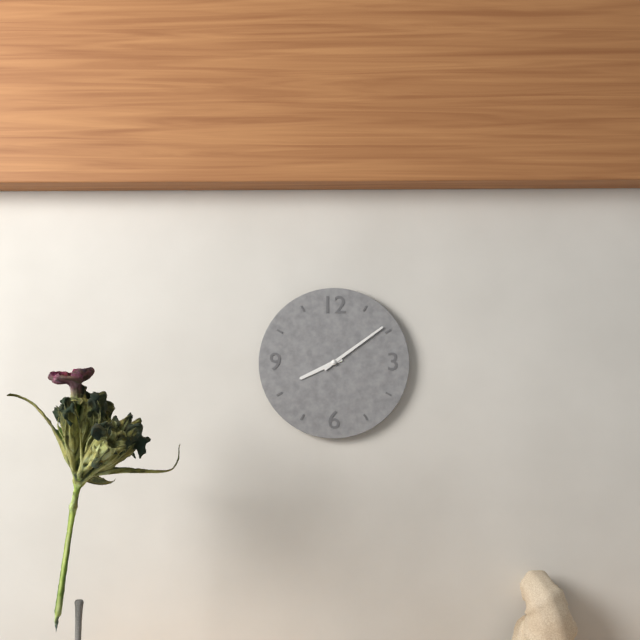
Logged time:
8,09
